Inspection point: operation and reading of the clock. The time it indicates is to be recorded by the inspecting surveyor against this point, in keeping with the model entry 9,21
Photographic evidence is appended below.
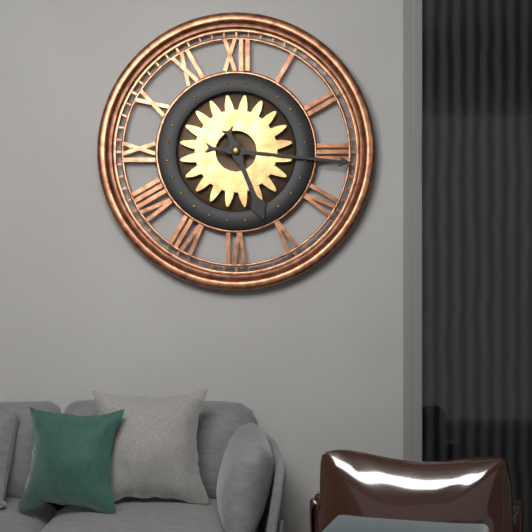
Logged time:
5,16
